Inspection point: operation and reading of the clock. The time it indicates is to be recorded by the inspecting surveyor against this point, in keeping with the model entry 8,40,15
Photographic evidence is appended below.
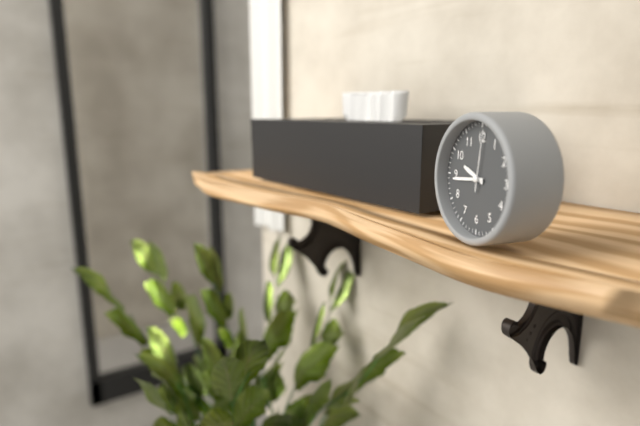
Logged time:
9,44,01
